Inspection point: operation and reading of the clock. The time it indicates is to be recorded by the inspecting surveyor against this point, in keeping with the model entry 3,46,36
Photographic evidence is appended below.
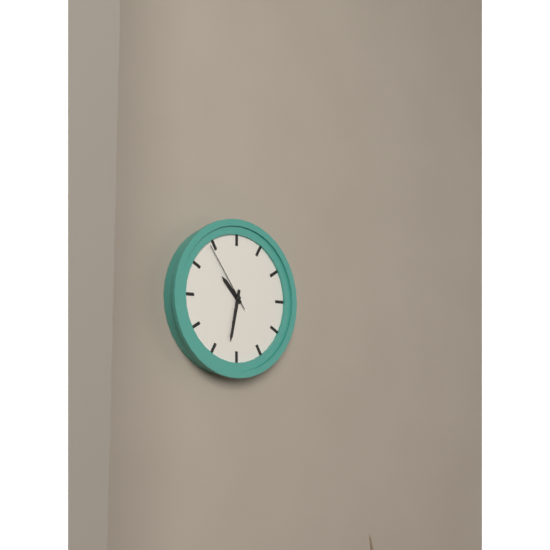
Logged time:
10,32,54
